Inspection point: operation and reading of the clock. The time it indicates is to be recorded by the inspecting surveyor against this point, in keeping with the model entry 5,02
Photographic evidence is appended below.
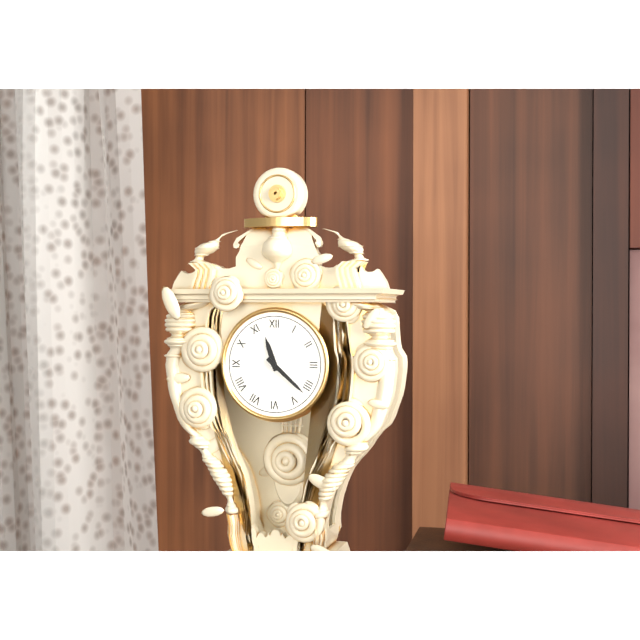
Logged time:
11,22
